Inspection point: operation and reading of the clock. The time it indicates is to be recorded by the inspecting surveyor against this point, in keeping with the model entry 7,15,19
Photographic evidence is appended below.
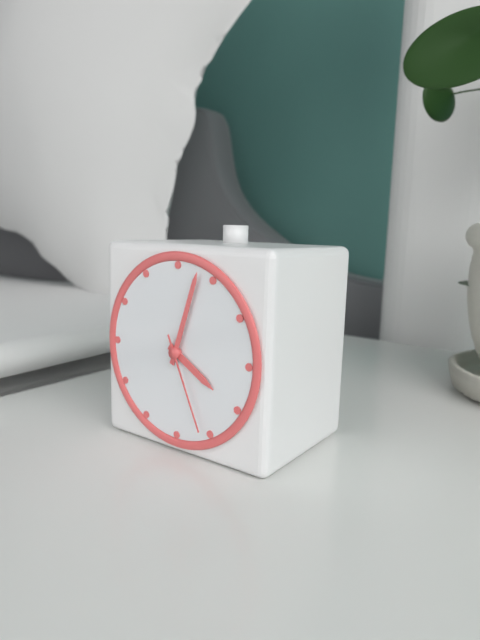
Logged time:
4,03,26
